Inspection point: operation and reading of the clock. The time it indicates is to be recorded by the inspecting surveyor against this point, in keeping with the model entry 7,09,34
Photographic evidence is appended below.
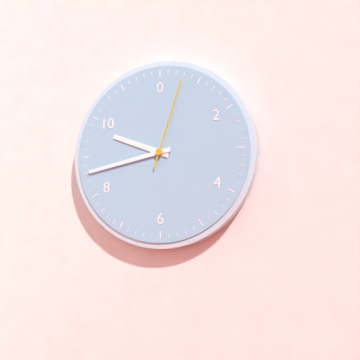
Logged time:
9,43,03
